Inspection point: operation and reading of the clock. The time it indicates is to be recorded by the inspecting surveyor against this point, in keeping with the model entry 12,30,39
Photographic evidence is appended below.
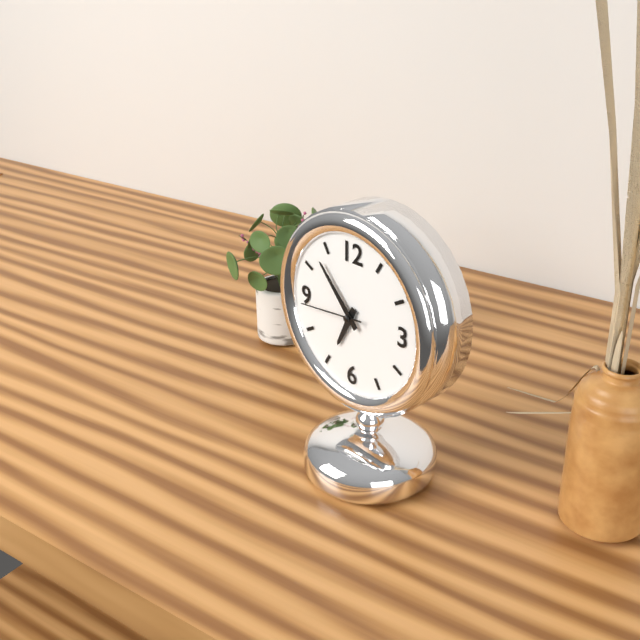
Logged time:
6,53,44
